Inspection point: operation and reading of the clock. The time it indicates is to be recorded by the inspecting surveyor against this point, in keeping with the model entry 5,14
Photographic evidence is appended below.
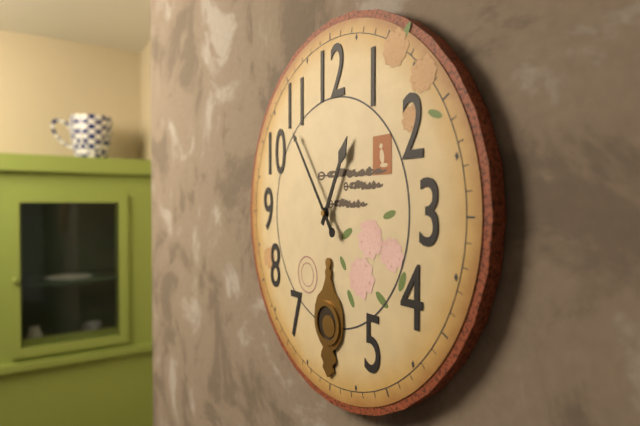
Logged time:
12,54
